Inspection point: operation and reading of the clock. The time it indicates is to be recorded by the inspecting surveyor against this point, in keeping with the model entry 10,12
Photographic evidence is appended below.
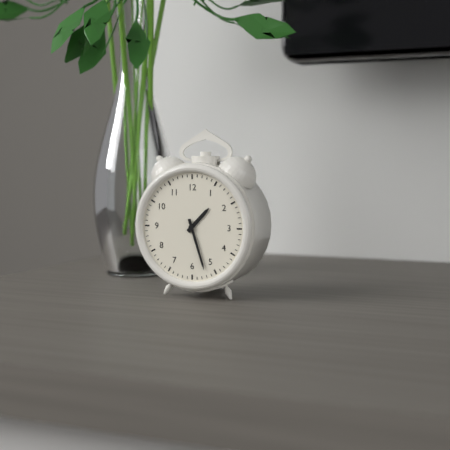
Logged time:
1,27
